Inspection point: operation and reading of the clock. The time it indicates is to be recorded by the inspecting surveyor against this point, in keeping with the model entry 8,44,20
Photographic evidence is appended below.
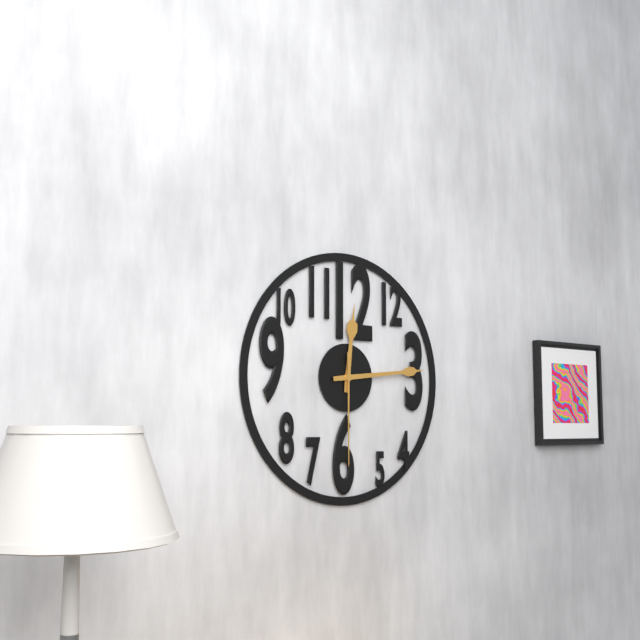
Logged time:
12,14,30
